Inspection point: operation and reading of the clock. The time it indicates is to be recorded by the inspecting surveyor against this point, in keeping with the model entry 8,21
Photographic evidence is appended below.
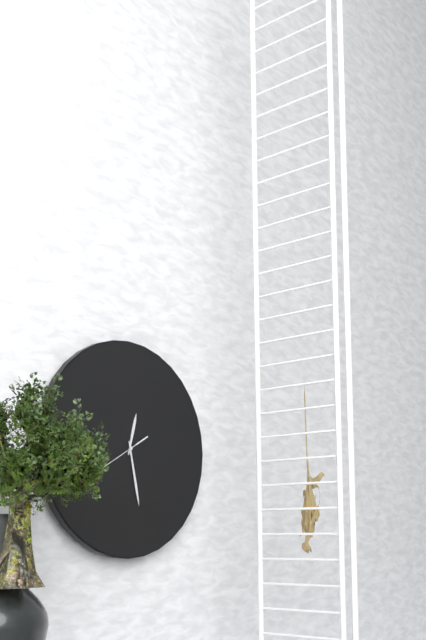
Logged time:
12,28
